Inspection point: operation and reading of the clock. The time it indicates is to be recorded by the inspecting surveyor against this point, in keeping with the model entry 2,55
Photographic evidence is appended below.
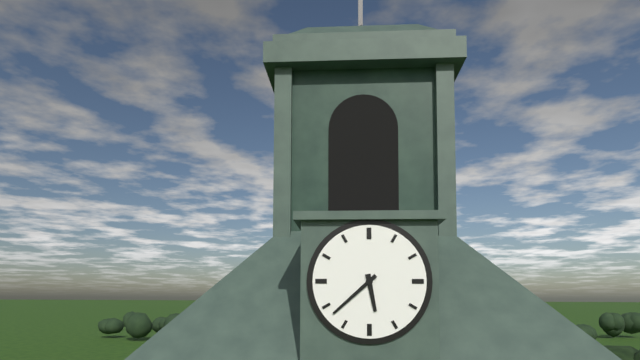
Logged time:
5,38
